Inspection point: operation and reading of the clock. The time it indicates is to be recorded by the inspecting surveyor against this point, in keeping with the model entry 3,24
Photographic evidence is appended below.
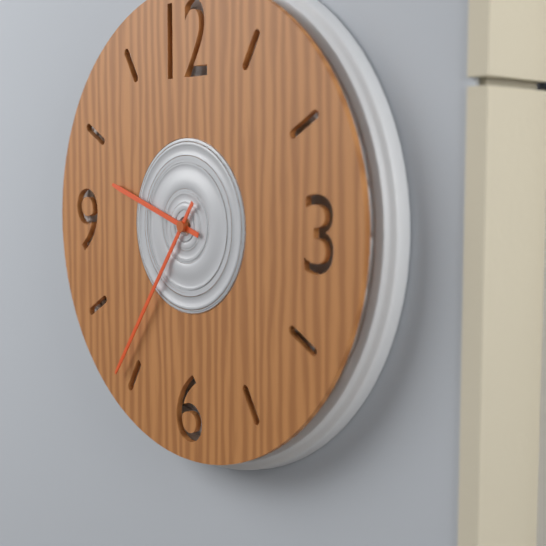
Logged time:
9,36
